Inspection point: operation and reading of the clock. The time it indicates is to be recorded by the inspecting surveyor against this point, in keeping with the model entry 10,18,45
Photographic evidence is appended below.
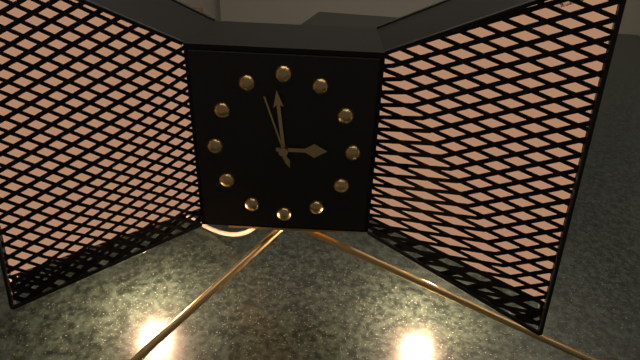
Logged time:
2,59,57
